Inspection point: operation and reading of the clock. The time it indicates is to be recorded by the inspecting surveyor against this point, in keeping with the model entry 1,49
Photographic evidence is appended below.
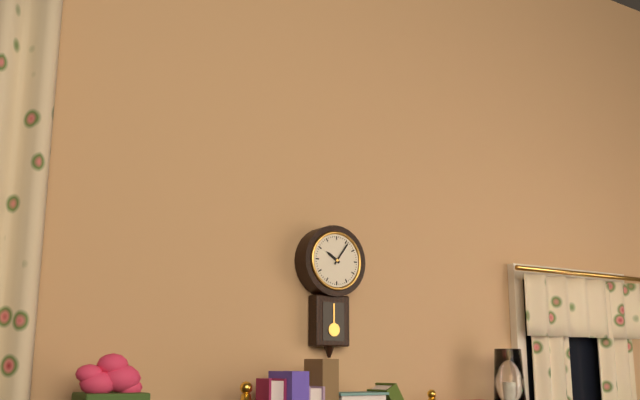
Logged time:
10,06
